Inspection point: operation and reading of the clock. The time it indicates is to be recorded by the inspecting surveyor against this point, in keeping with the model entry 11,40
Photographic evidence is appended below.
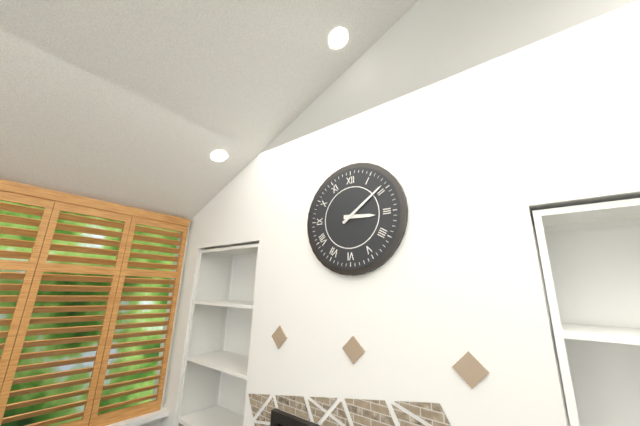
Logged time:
3,09
